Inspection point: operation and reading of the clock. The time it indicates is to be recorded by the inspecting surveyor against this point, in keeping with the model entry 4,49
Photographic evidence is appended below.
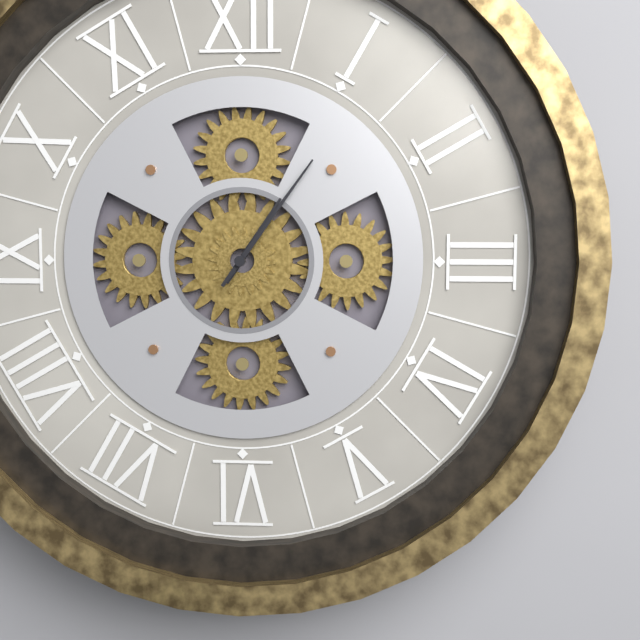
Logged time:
1,06
